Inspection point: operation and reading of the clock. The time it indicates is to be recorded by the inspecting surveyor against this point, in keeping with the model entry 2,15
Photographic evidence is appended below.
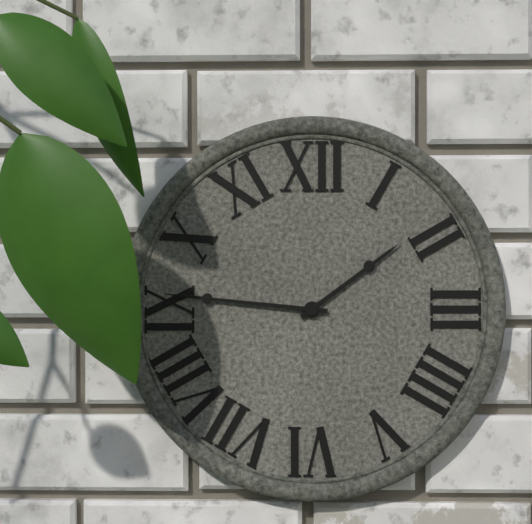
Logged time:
1,46
